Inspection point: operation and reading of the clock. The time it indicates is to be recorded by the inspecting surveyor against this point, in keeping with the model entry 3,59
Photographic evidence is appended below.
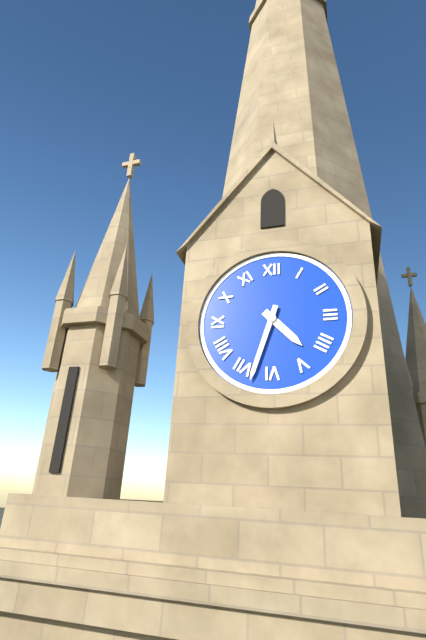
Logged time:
4,33
